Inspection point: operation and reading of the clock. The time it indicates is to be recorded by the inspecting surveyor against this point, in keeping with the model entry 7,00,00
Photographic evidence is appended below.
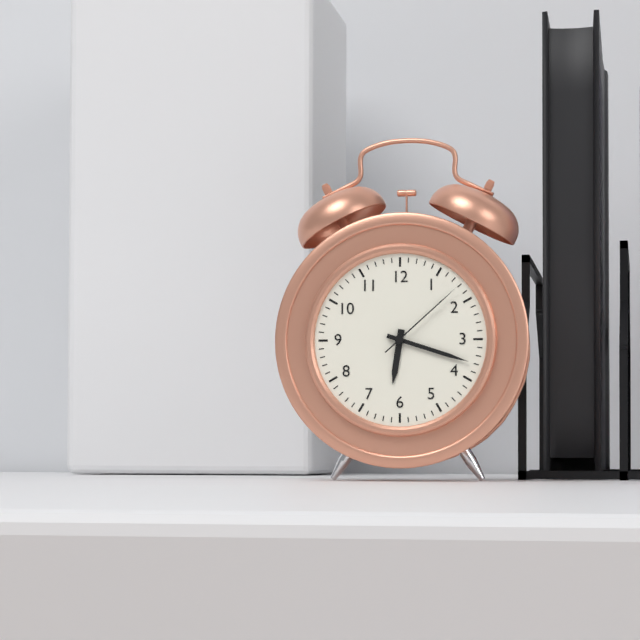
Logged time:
6,18,08
